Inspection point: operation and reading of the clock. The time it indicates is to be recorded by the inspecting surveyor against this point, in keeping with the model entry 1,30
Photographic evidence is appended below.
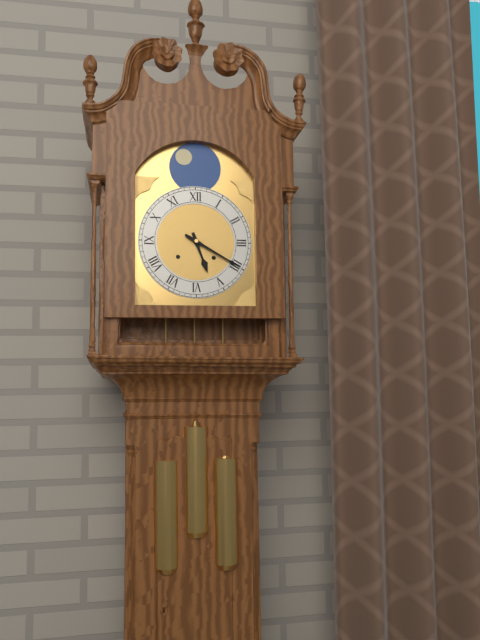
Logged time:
5,20
